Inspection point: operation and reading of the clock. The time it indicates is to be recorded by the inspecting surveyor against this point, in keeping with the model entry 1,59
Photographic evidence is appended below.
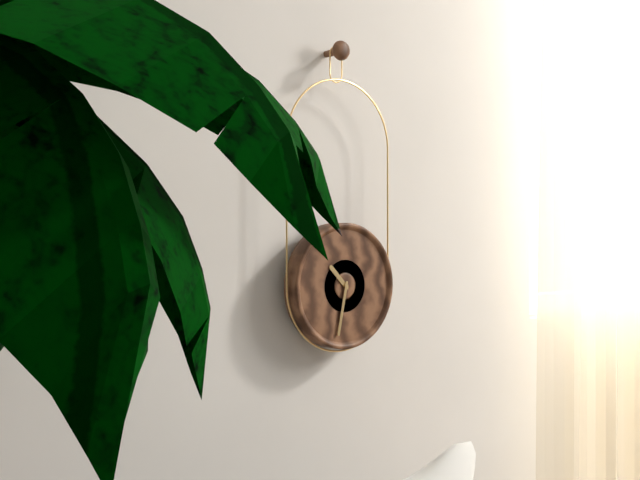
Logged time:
10,32
